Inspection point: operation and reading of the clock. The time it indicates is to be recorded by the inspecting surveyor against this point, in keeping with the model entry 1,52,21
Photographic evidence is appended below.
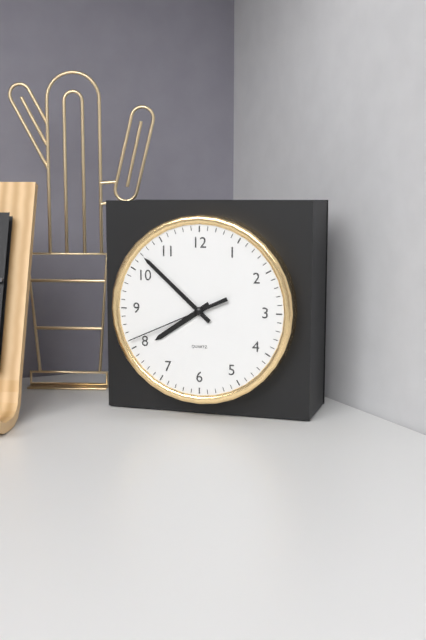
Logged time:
7,52,41
